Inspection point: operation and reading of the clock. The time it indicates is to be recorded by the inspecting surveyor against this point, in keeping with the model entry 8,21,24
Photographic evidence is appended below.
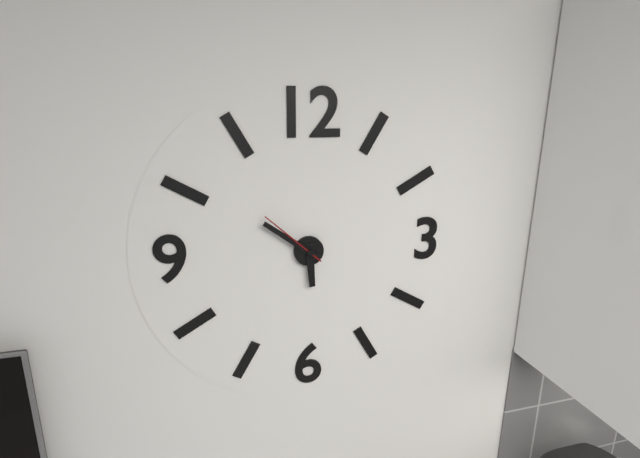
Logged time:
5,51,52
